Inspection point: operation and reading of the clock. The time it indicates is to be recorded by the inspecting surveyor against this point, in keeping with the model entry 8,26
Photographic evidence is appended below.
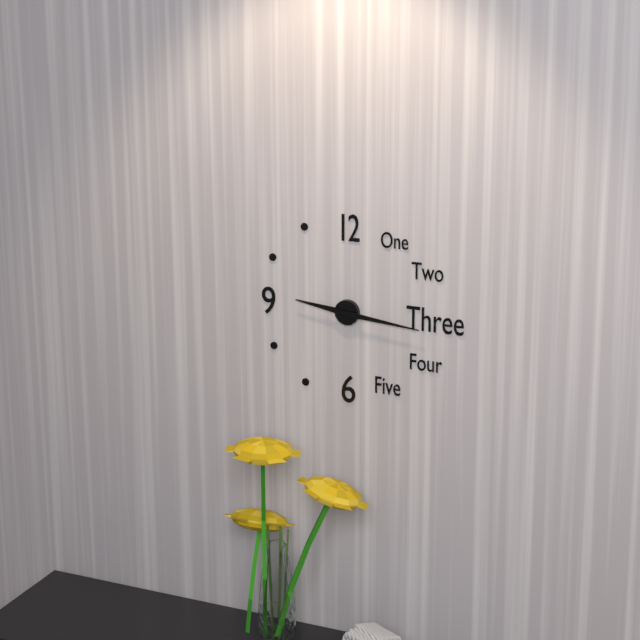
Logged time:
9,16
